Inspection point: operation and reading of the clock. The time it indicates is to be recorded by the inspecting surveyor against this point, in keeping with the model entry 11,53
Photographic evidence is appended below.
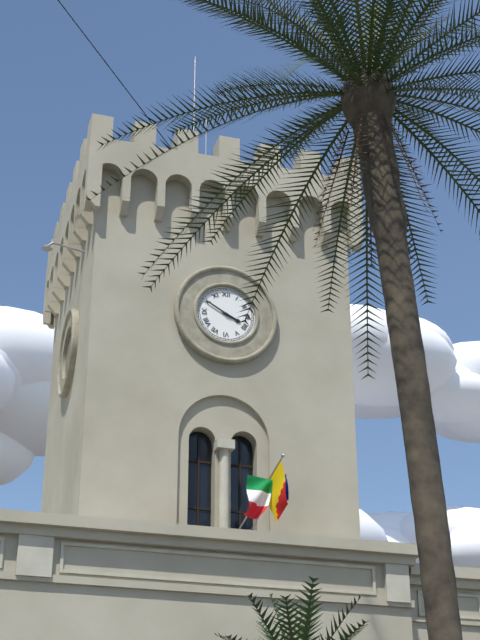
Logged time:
3,50
